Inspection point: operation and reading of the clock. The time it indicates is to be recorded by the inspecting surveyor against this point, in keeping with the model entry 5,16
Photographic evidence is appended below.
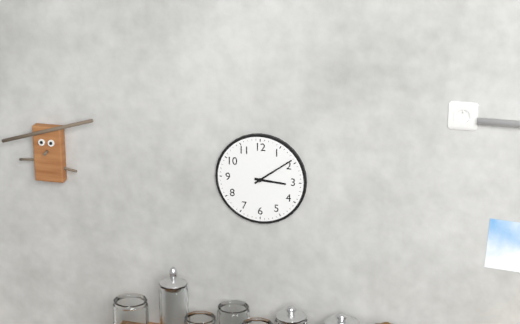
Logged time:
3,09
